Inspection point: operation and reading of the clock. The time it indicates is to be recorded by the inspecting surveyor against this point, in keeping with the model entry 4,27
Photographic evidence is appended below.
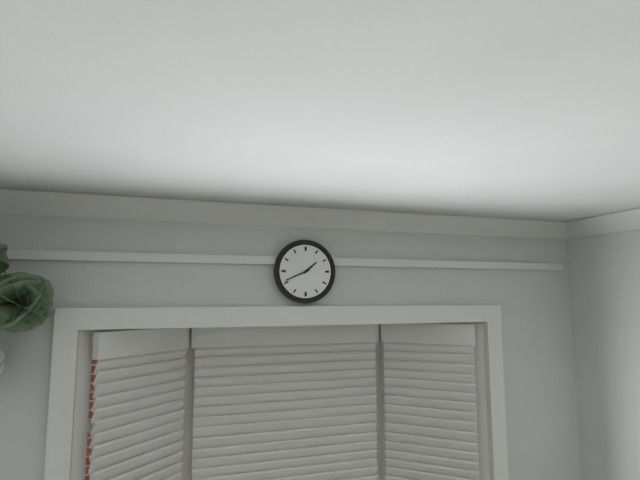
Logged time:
1,41
